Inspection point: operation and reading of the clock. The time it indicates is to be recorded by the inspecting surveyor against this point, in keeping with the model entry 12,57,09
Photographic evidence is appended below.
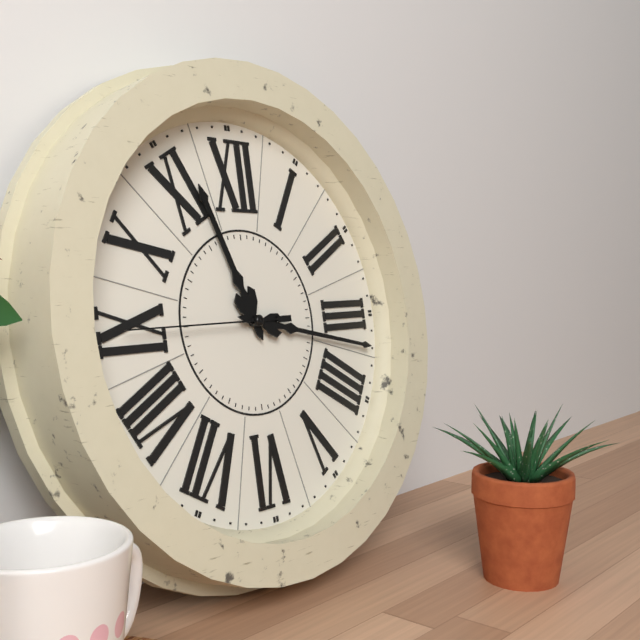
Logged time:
11,17,45
